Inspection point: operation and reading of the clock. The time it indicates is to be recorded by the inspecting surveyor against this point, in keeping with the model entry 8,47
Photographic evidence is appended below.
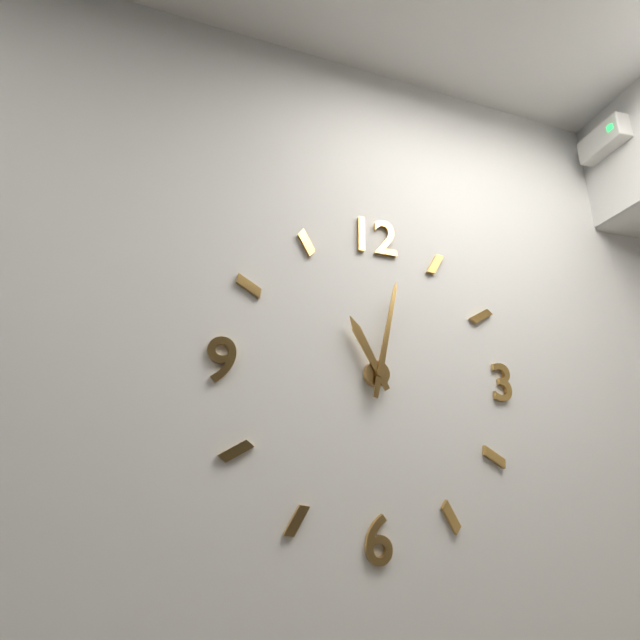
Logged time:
11,02
